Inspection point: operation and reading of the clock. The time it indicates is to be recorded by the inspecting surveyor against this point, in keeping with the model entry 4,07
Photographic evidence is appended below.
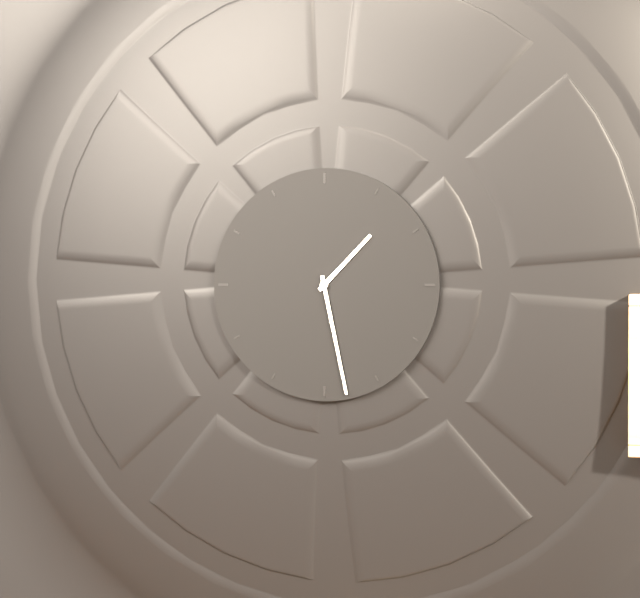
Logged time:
1,28
